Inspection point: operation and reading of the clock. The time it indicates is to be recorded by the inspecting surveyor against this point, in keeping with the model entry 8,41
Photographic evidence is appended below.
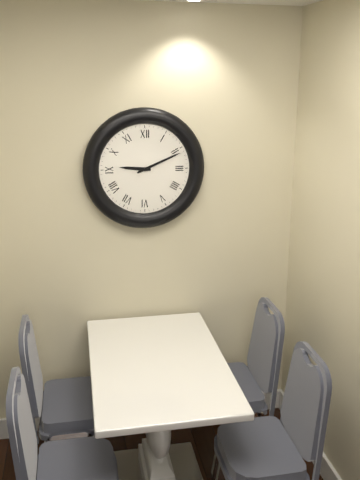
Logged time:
9,11
